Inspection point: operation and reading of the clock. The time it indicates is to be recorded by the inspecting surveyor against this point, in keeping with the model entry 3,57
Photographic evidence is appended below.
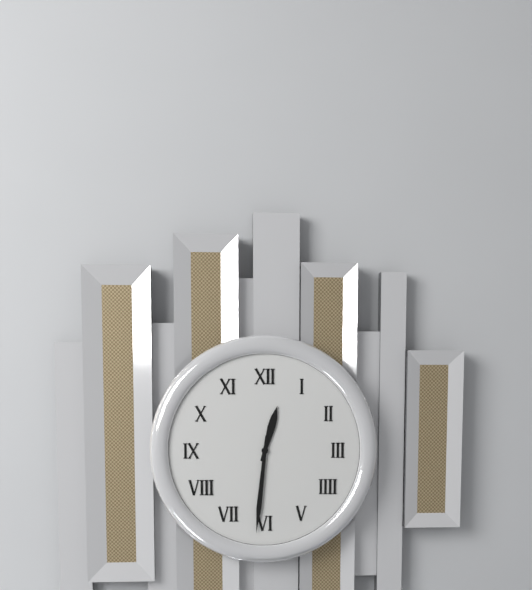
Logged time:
12,31
